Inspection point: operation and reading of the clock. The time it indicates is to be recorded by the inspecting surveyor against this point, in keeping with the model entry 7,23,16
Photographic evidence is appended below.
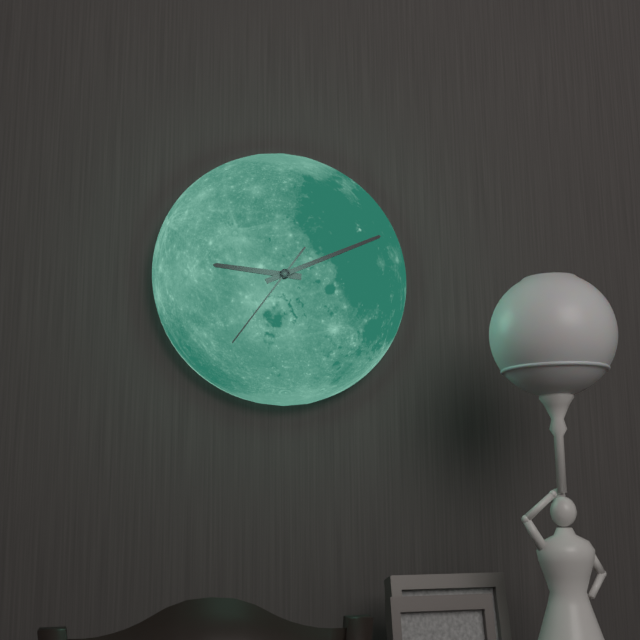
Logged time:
9,11,36
